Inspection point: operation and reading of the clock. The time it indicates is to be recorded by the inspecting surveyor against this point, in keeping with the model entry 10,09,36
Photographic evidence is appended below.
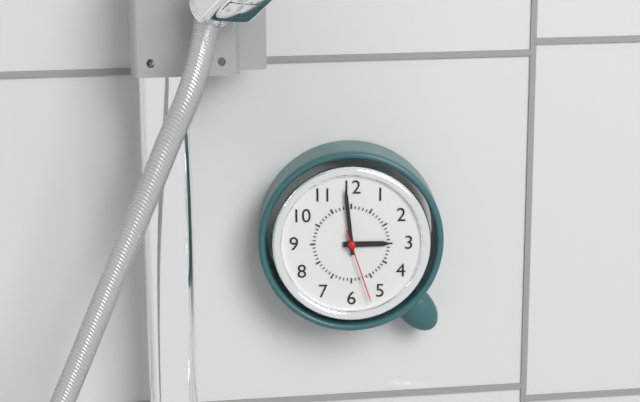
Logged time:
2,59,27
